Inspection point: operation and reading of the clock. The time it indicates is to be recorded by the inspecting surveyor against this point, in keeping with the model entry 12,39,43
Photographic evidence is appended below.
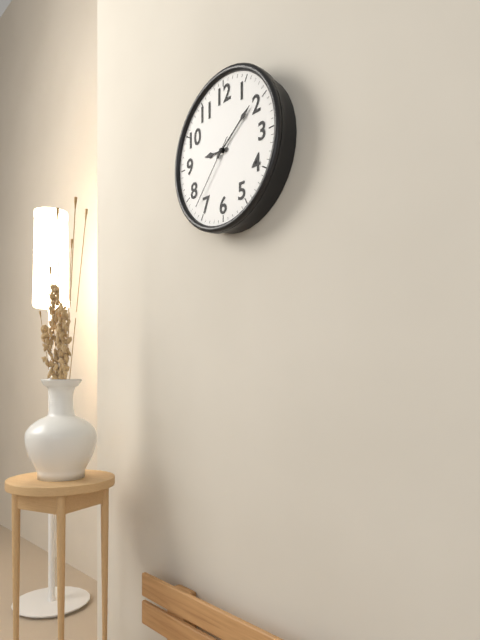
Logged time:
9,09,37
